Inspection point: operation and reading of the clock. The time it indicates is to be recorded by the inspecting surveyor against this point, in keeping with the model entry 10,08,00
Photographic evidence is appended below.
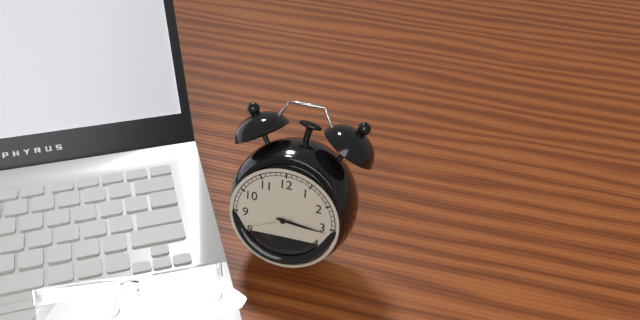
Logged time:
3,16,41
